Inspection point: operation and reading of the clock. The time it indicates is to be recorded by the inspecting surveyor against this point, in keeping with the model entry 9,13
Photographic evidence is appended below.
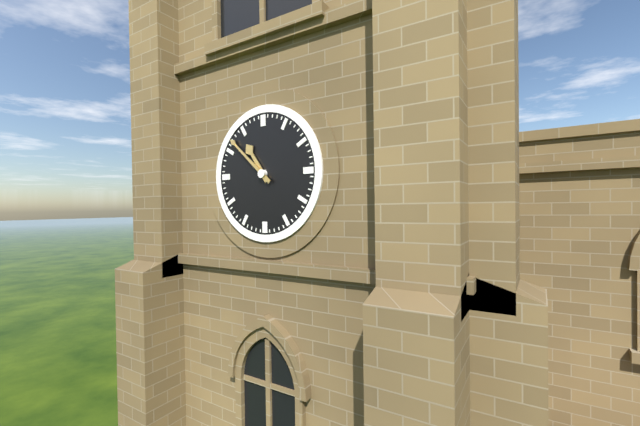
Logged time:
10,52
